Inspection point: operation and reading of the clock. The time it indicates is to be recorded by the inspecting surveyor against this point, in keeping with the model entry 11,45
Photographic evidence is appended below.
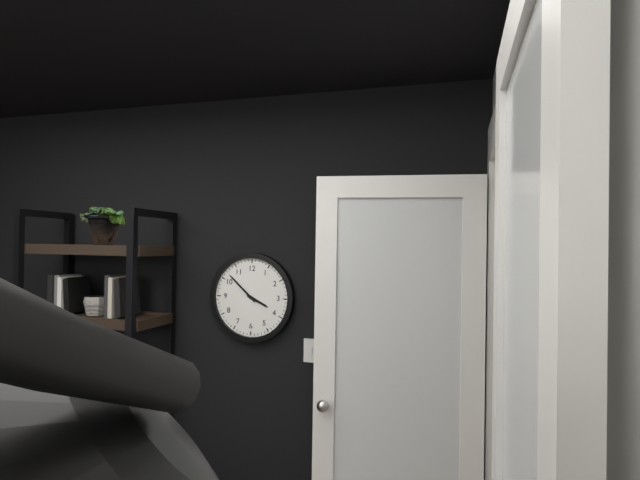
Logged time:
3,52
